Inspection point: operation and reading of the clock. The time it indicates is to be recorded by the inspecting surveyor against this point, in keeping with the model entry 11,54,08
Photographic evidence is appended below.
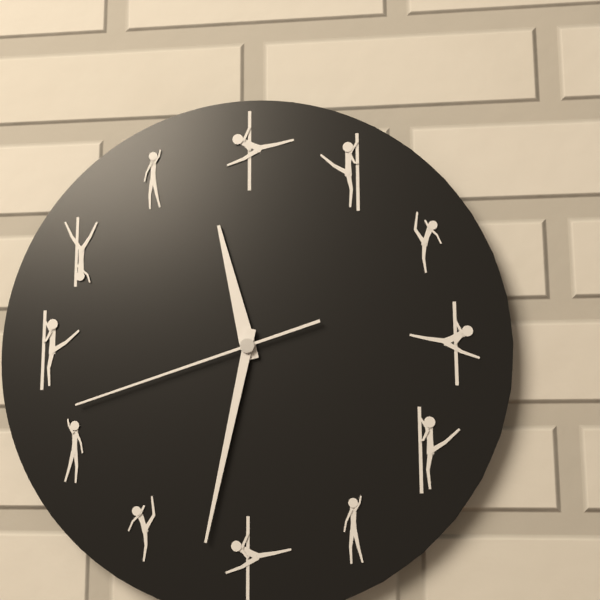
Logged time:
11,32,42
